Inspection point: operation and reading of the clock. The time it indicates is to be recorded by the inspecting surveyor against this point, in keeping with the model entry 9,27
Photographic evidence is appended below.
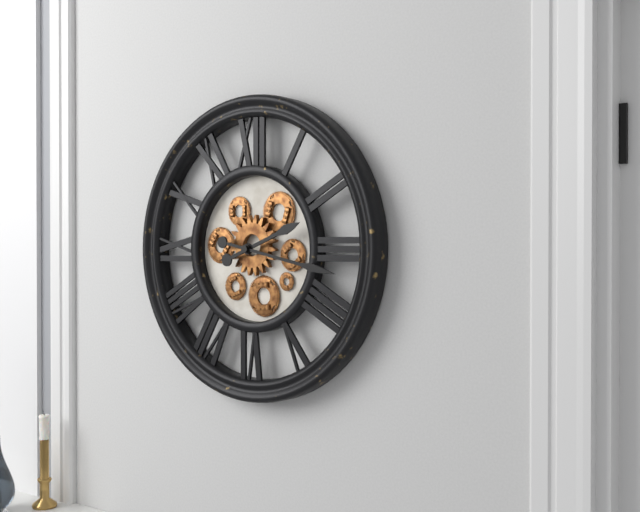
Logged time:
2,17
